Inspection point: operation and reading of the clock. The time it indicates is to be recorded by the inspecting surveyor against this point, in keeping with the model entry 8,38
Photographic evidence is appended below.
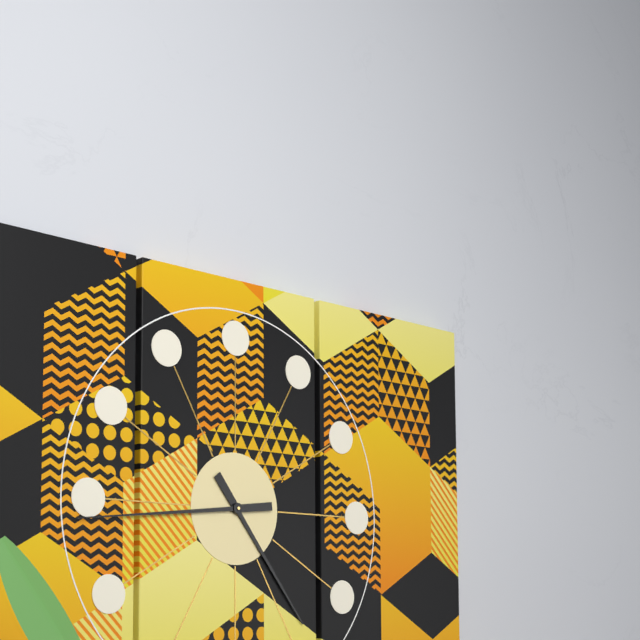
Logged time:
4,44
